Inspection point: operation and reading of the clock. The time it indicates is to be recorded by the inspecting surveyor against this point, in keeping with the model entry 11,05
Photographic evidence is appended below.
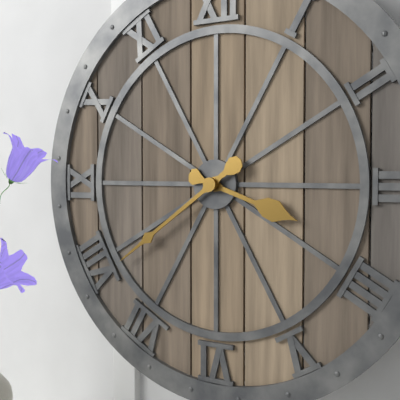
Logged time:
3,39
